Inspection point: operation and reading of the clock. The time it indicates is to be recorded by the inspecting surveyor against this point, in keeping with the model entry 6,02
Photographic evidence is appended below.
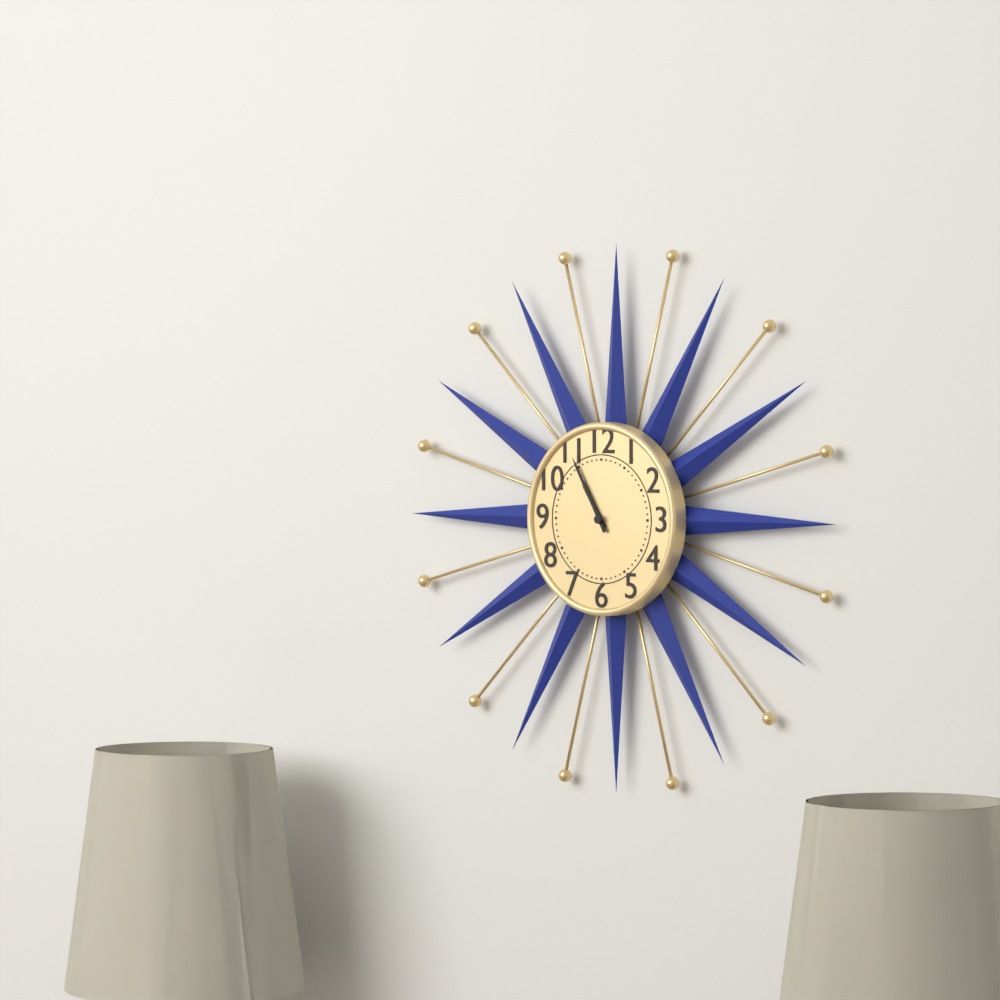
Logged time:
10,55
